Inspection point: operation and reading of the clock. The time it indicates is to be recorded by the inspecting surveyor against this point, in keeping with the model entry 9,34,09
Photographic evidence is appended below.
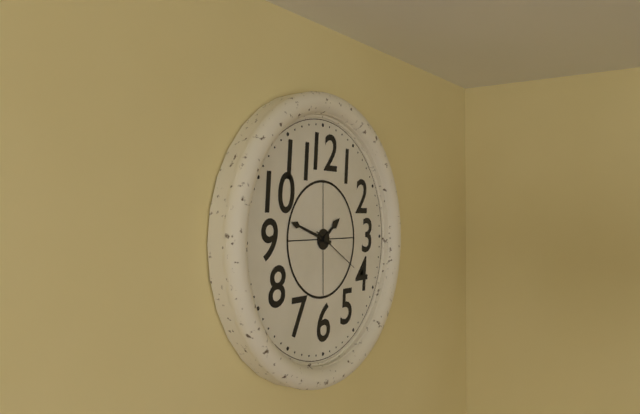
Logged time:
1,48,20
